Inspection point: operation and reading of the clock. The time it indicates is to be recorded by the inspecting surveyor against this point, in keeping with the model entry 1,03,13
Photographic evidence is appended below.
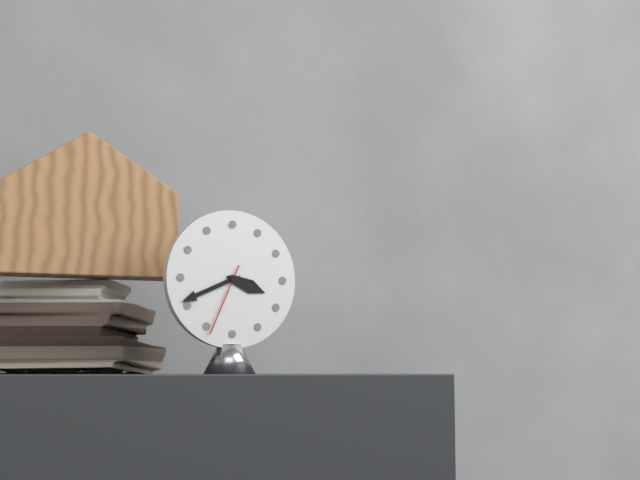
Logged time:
3,41,34
